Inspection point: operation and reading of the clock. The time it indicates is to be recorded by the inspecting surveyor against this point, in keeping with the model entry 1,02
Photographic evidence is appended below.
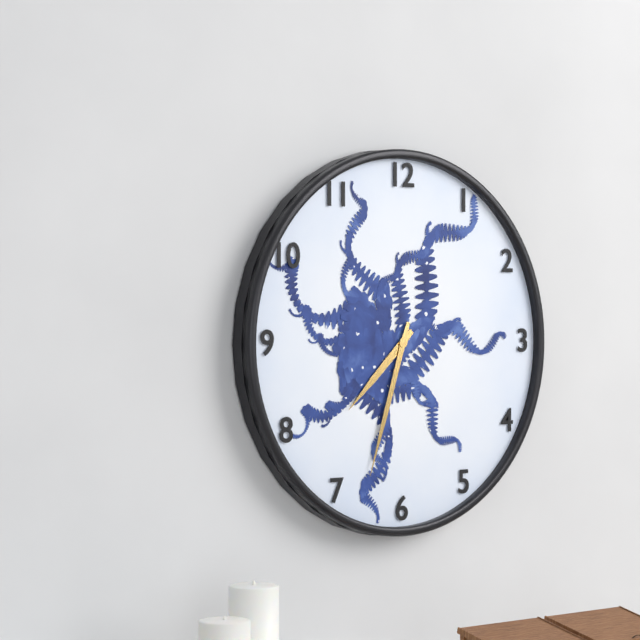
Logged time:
7,33
